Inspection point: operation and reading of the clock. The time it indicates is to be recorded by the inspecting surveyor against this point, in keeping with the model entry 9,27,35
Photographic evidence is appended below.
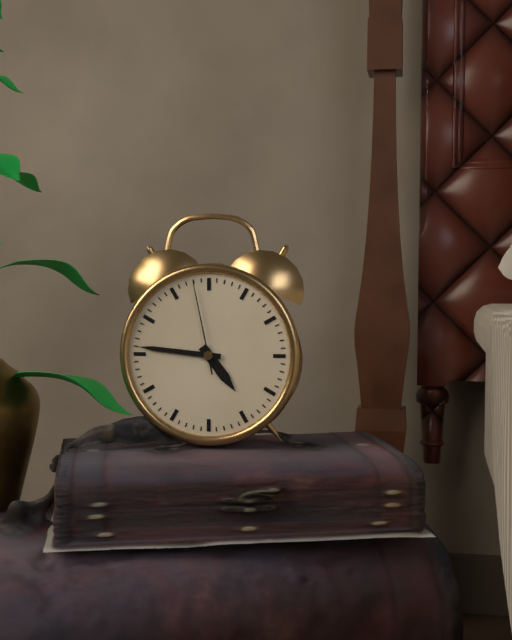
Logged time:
4,46,58
